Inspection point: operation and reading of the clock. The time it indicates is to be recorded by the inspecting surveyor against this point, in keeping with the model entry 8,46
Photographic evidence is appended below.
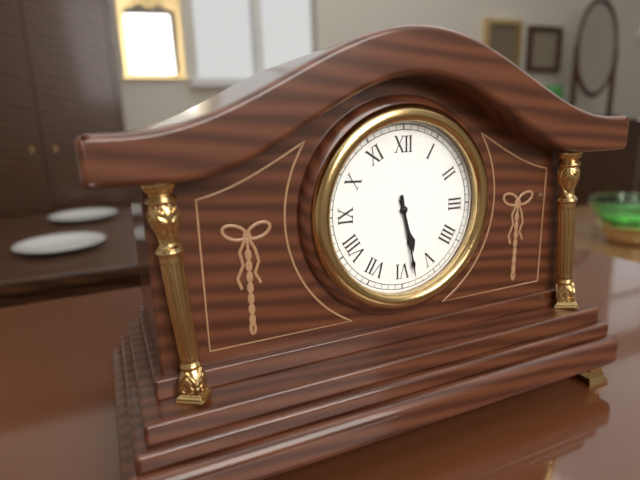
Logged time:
5,28
